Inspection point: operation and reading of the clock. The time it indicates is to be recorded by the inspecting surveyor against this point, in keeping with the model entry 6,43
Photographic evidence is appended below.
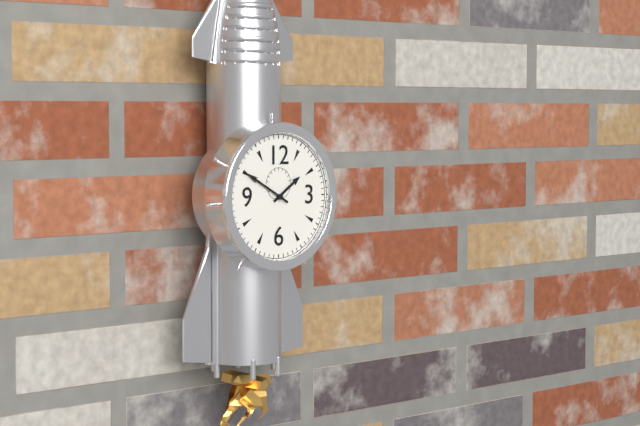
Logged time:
1,50
